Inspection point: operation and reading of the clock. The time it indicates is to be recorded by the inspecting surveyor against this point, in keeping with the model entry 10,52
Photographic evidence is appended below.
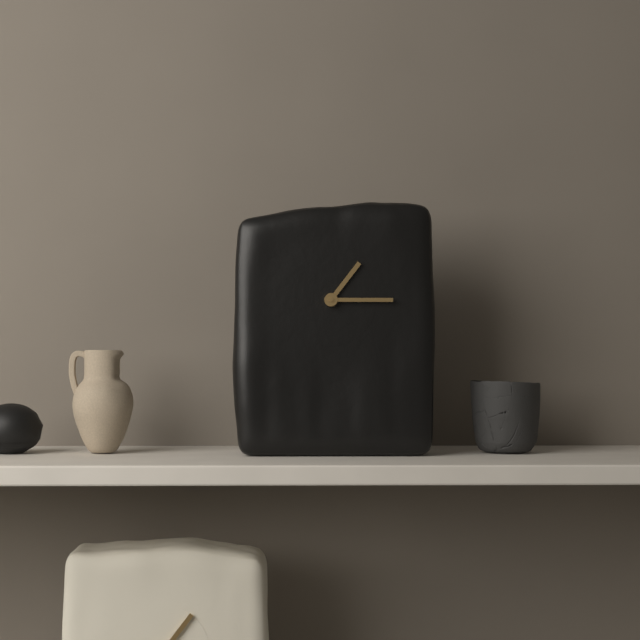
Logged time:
1,15
